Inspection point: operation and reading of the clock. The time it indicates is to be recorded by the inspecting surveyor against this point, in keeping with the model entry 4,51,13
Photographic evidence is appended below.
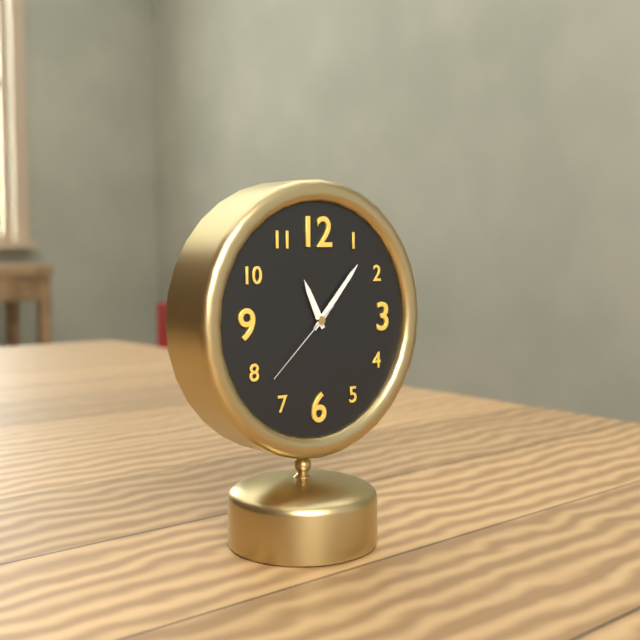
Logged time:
11,07,38
